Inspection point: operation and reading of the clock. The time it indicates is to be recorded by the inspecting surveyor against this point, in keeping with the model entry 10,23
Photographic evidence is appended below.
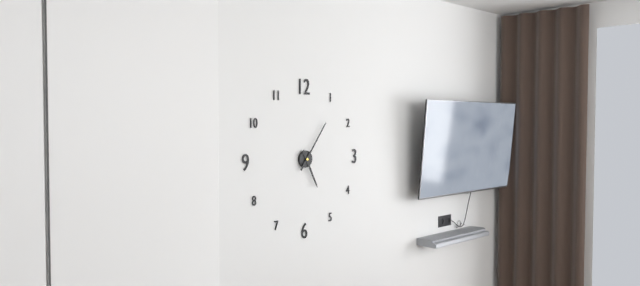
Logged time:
5,06
